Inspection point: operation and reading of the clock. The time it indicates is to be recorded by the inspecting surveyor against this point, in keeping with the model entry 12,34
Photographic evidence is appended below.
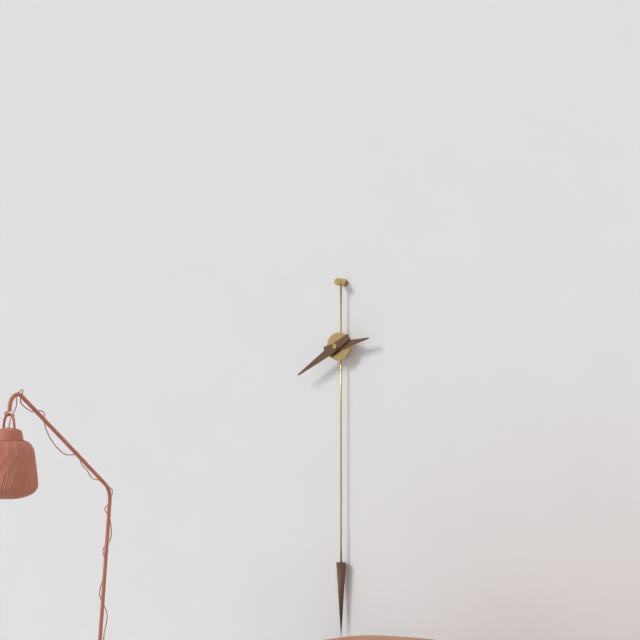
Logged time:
2,40
